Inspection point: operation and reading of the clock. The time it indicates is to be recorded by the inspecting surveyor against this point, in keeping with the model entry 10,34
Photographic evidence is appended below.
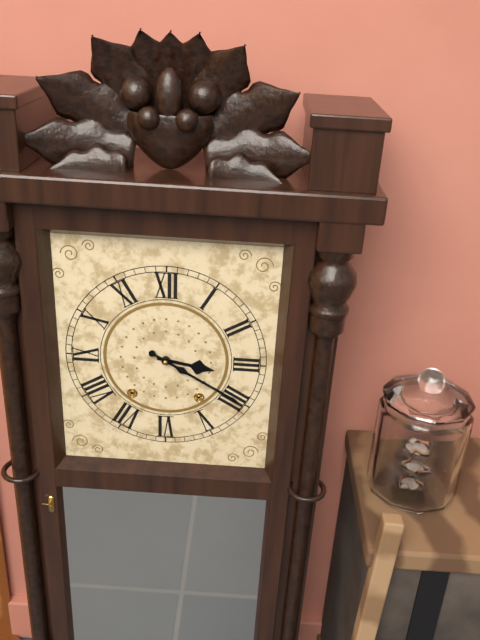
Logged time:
3,20
